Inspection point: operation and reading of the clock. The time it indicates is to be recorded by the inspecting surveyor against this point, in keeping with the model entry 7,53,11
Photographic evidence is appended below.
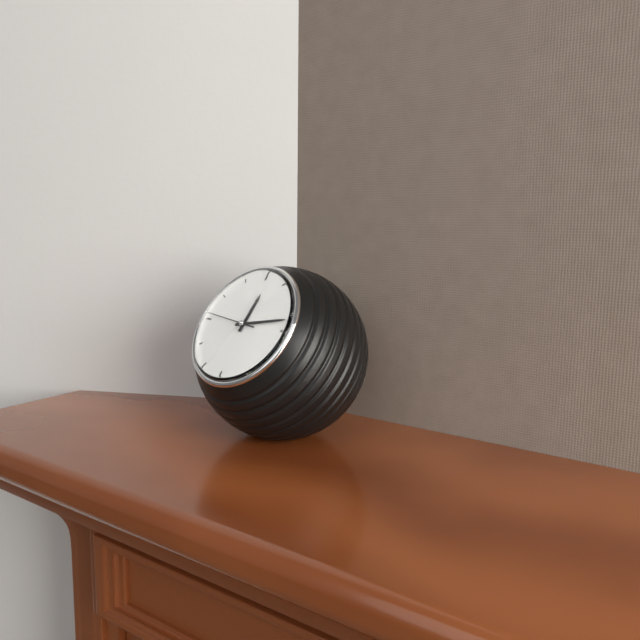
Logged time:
12,13,46
